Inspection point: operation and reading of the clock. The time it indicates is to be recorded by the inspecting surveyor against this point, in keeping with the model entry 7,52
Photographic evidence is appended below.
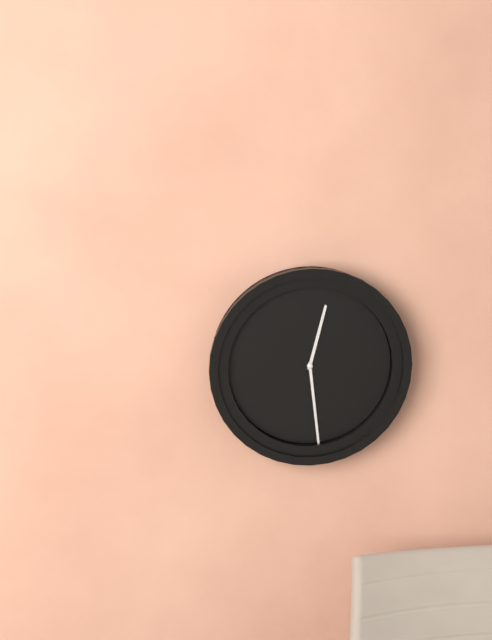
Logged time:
12,29
